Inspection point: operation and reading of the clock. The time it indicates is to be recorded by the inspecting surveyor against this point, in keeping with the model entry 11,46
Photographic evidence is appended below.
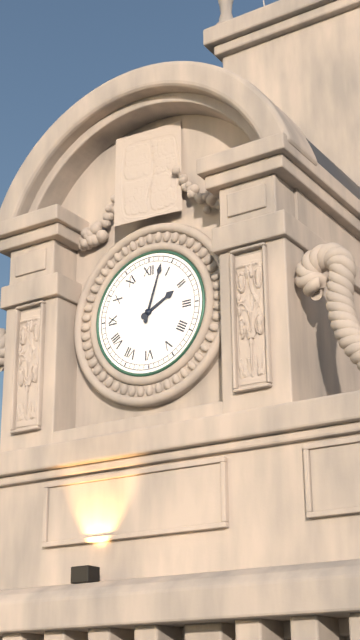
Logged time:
2,03
